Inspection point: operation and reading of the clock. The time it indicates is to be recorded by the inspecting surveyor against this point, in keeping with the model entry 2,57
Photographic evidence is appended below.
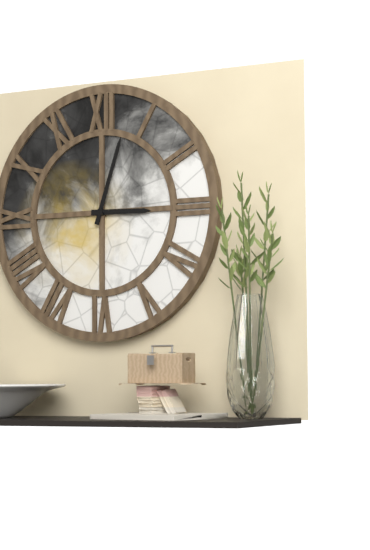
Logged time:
3,03
